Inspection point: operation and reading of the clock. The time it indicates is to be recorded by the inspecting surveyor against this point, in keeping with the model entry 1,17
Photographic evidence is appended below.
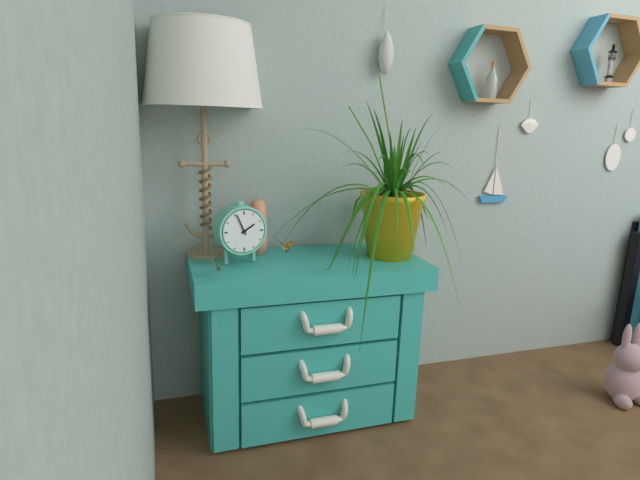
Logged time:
1,56
